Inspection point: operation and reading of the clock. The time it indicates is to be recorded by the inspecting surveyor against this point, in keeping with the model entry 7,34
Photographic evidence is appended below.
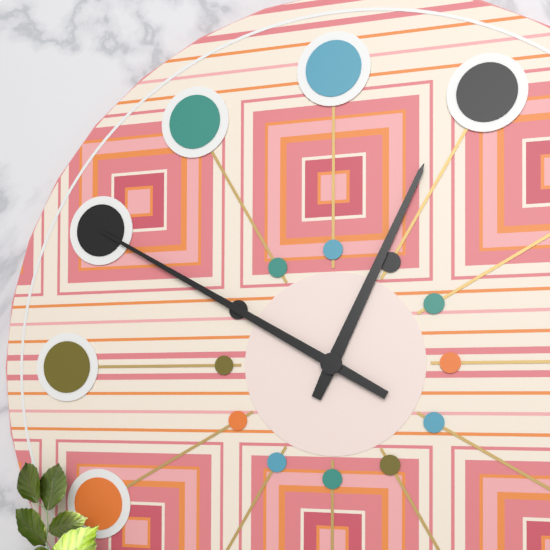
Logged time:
12,50
